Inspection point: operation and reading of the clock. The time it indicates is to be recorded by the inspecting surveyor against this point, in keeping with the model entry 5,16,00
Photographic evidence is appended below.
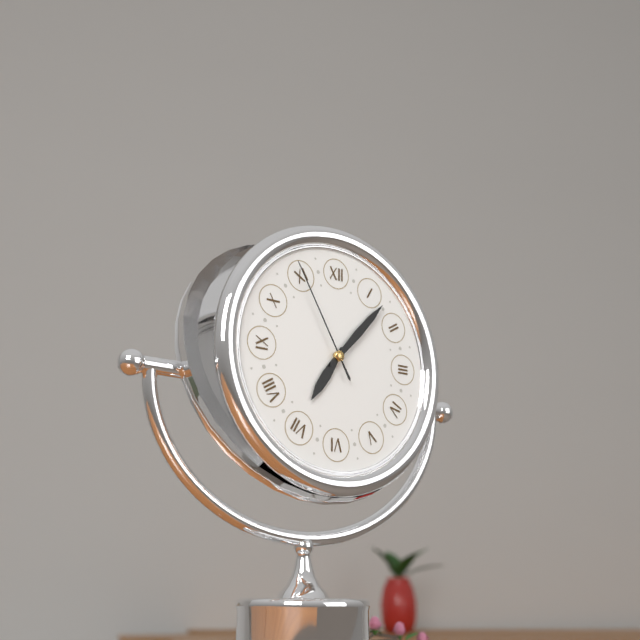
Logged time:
7,07,55
